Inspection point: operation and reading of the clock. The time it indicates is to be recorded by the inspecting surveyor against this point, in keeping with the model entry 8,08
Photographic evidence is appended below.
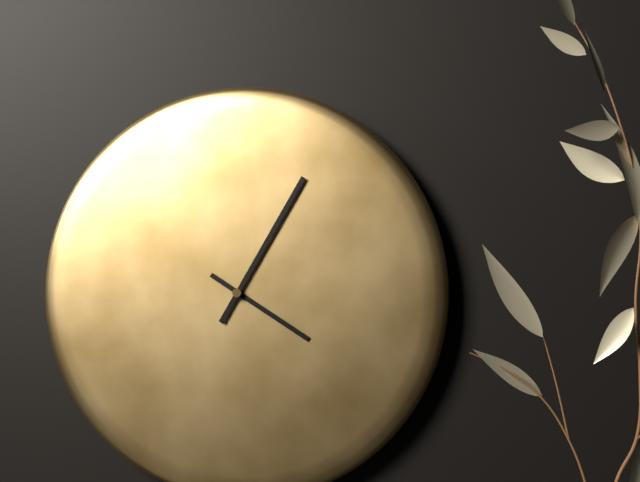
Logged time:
4,05
